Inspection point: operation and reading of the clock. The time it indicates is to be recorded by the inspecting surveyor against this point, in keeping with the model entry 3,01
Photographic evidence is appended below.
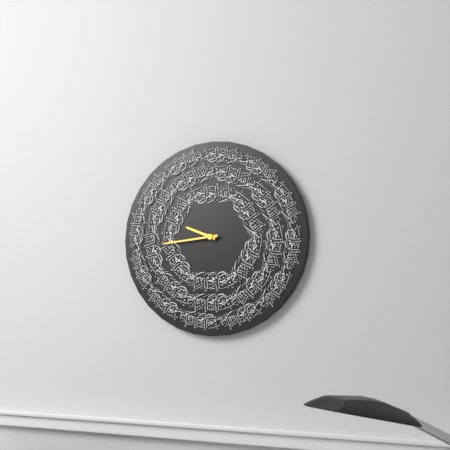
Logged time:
9,44
